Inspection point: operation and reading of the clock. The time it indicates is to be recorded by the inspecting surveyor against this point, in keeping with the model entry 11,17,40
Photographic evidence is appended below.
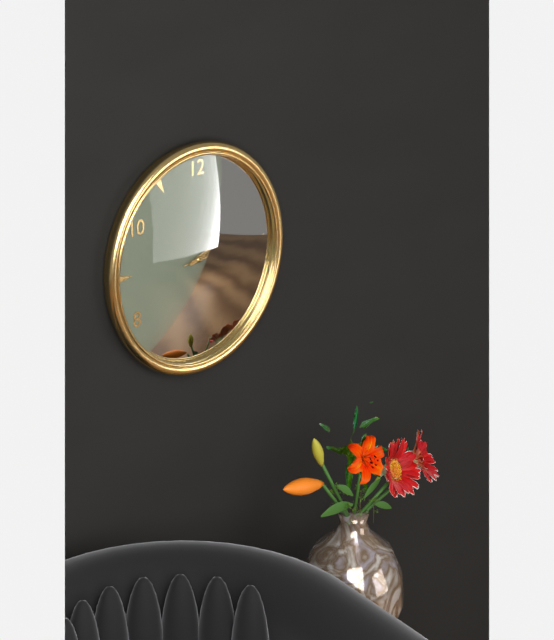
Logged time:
2,14,14
